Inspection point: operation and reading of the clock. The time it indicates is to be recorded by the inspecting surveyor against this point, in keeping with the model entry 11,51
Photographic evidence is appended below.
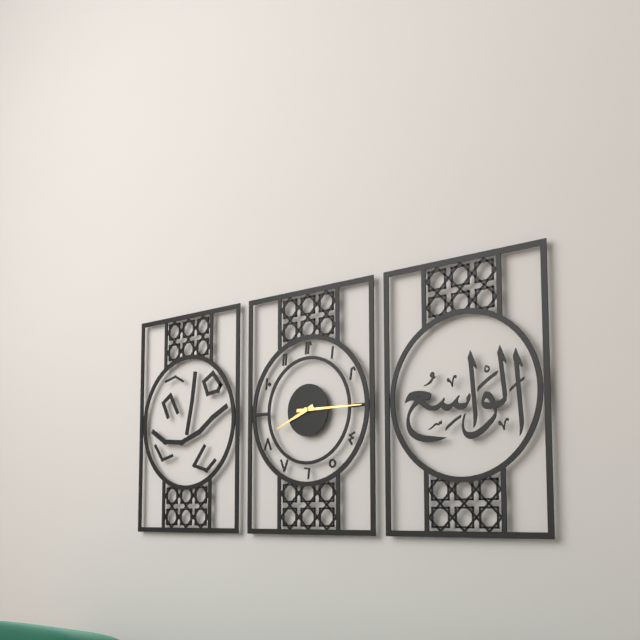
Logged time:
8,15
